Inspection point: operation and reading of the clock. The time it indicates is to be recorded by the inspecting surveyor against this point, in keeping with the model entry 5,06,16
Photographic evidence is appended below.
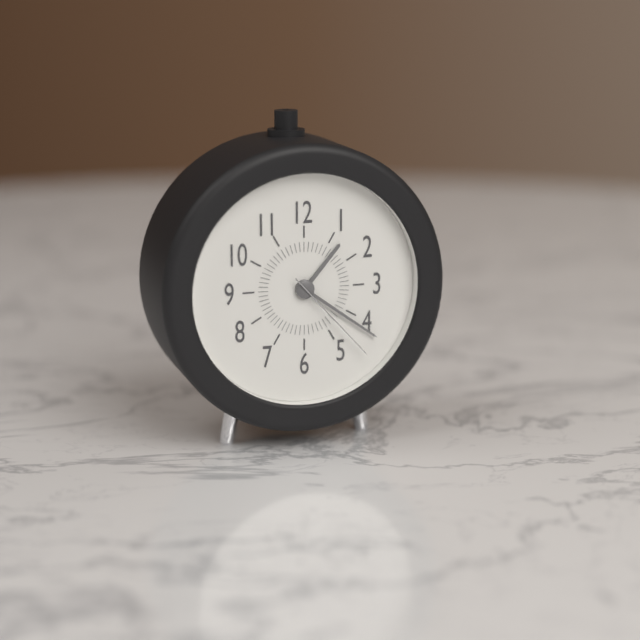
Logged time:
1,21,23
